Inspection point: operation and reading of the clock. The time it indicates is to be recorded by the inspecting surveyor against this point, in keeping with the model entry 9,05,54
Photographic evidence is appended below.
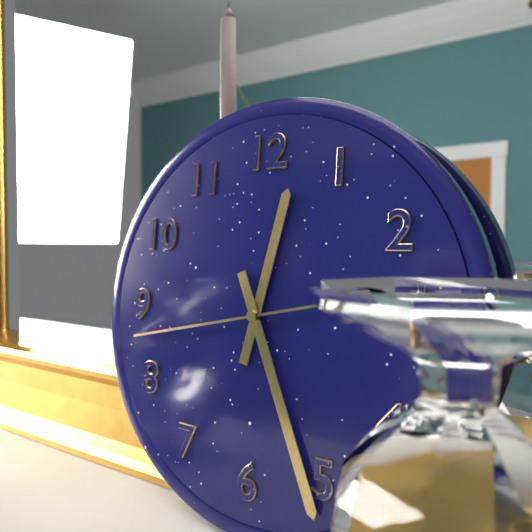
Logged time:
12,26,43
